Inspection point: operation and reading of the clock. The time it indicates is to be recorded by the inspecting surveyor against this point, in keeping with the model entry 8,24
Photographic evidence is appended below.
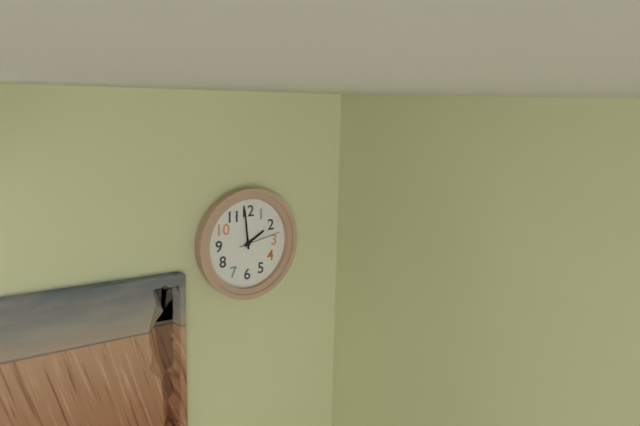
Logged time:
1,59
